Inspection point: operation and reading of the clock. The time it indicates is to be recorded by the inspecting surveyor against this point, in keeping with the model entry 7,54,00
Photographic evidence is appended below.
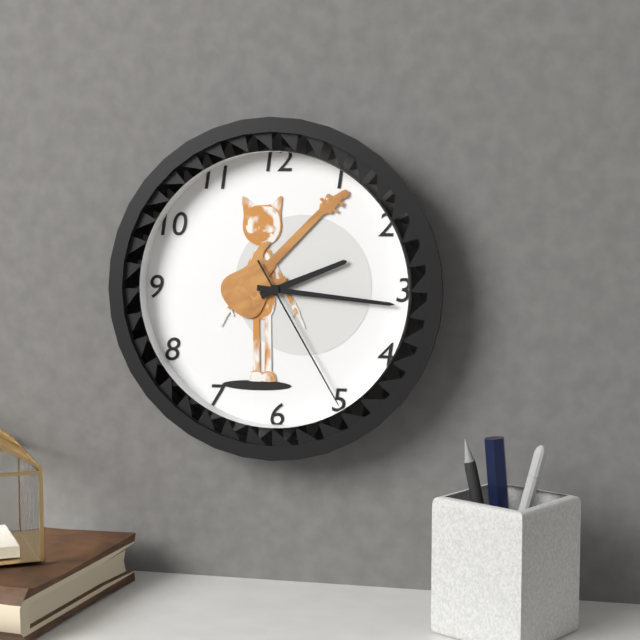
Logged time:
2,16,25
